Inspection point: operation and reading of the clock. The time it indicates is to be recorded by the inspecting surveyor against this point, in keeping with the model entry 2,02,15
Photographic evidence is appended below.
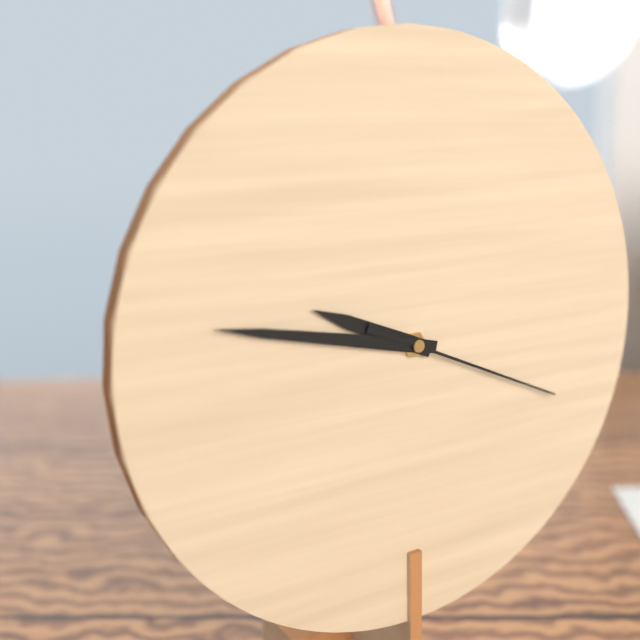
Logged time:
9,47,19
